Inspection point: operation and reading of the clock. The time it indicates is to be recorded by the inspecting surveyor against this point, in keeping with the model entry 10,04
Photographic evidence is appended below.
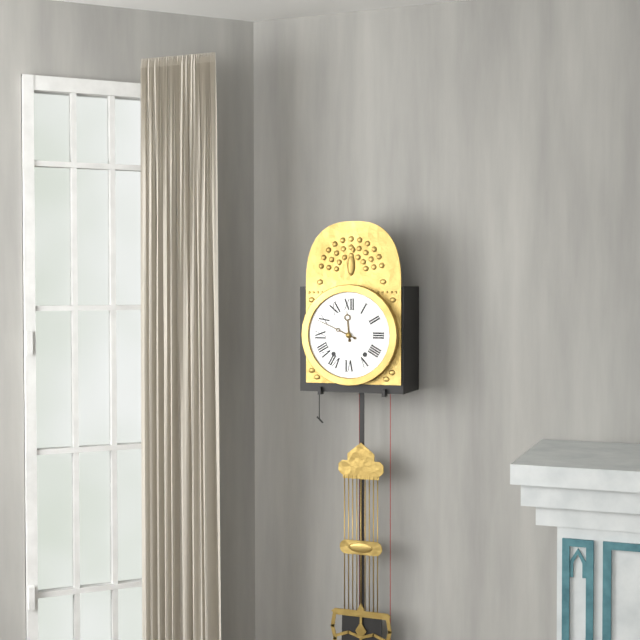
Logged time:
11,49
